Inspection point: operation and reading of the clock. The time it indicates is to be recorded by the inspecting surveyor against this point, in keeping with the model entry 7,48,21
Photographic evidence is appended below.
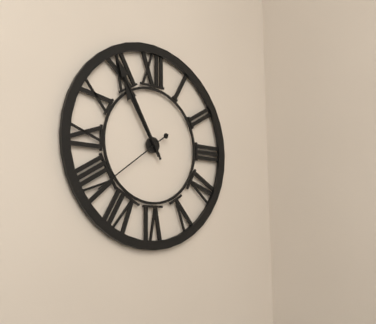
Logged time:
10,55,39
